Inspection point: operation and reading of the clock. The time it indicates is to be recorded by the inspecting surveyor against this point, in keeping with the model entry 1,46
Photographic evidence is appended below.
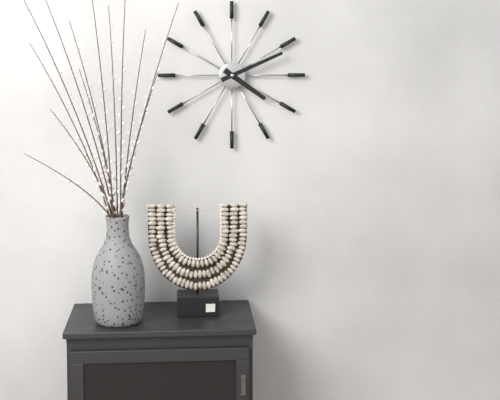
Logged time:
4,11
